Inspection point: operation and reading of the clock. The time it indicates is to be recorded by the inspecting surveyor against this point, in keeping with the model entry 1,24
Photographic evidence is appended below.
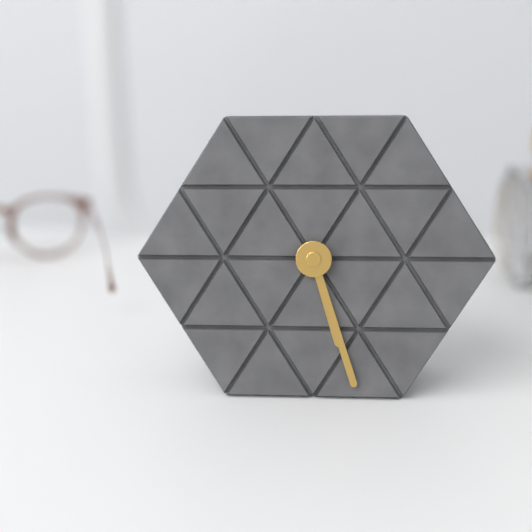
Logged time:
5,27
